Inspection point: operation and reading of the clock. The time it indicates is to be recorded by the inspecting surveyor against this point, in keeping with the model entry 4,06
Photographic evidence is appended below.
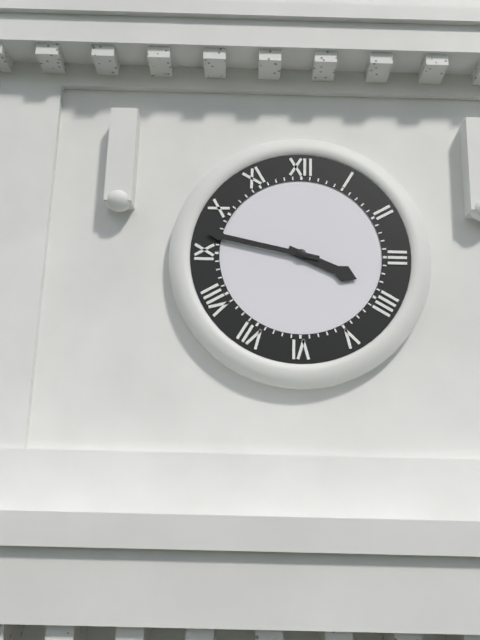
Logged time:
3,47
